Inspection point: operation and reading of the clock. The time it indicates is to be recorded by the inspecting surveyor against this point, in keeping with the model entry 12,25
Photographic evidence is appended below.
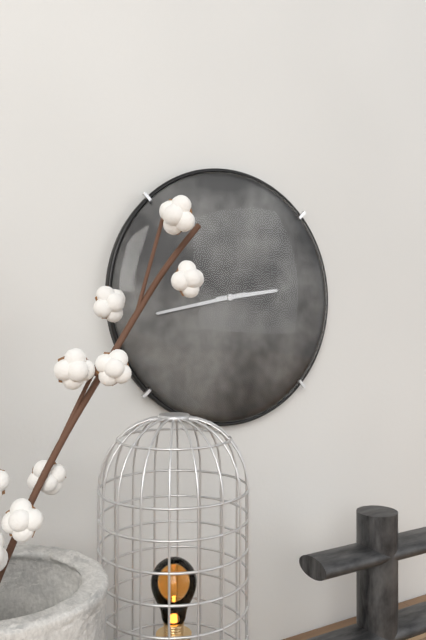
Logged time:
2,43
